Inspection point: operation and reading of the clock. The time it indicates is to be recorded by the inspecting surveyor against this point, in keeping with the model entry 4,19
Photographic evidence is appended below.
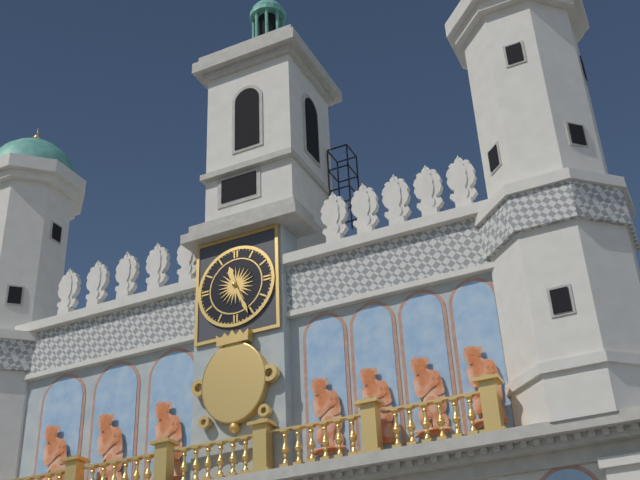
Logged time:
11,26
